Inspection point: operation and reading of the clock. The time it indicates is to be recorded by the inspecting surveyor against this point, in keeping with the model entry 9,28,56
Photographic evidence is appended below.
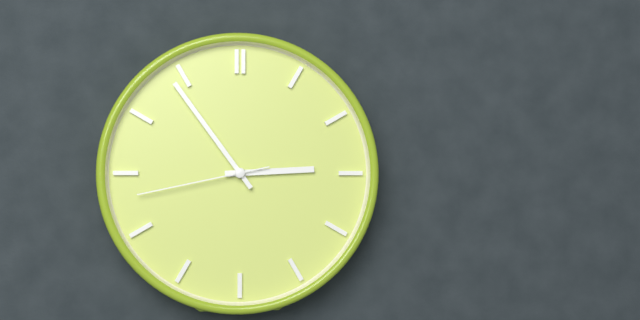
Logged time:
2,54,43
